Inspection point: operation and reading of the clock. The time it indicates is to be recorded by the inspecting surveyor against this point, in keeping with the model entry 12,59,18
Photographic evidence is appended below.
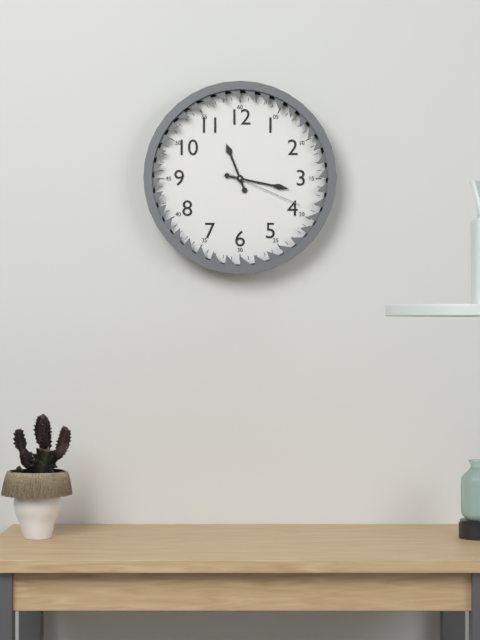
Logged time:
11,17,19
